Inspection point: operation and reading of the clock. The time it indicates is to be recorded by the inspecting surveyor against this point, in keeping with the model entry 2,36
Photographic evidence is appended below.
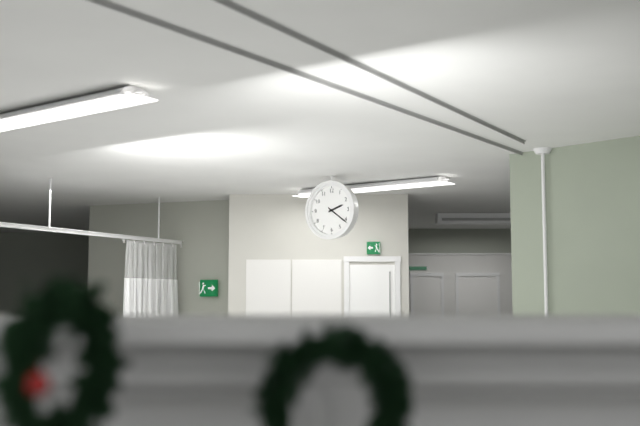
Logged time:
2,21
